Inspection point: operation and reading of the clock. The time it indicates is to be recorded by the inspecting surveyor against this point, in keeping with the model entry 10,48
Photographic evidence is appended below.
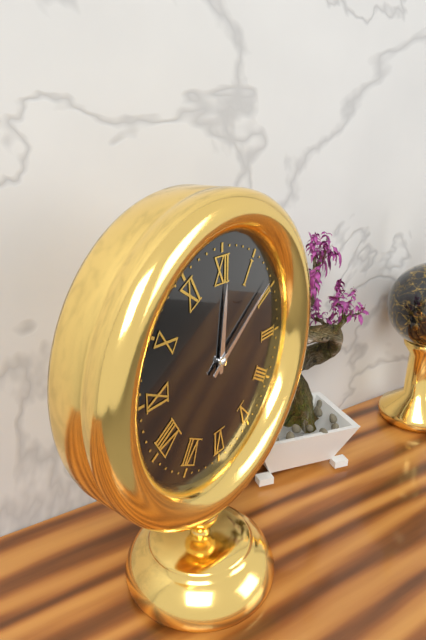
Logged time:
12,09
